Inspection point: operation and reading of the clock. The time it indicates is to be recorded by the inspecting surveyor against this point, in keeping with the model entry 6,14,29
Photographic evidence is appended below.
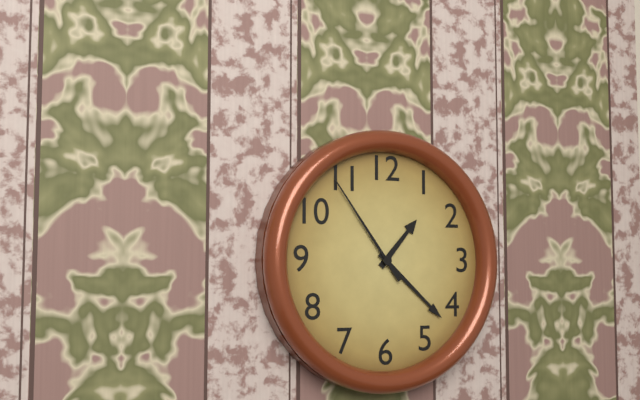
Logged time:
1,22,54
